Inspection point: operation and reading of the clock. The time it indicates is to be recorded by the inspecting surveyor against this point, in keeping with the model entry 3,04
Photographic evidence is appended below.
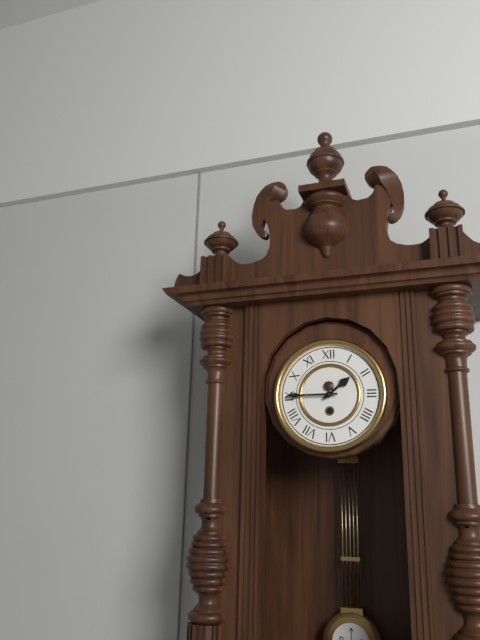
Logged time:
1,45
